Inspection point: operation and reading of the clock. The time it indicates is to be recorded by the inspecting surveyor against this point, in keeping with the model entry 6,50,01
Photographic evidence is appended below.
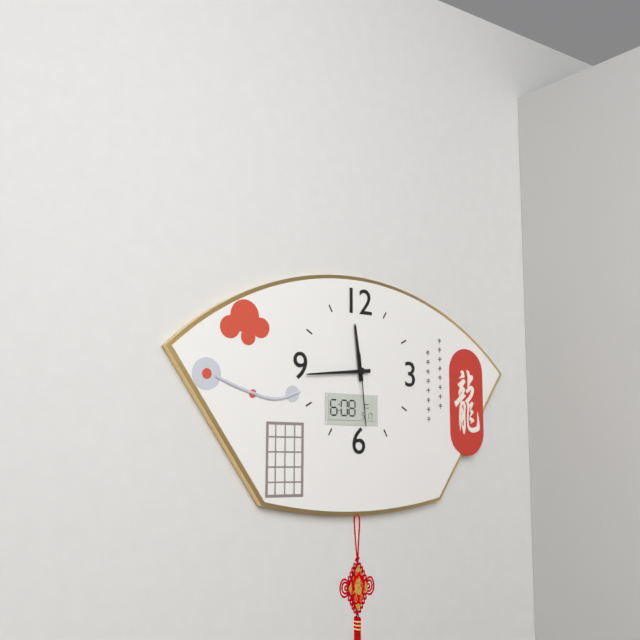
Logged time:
11,44,29
